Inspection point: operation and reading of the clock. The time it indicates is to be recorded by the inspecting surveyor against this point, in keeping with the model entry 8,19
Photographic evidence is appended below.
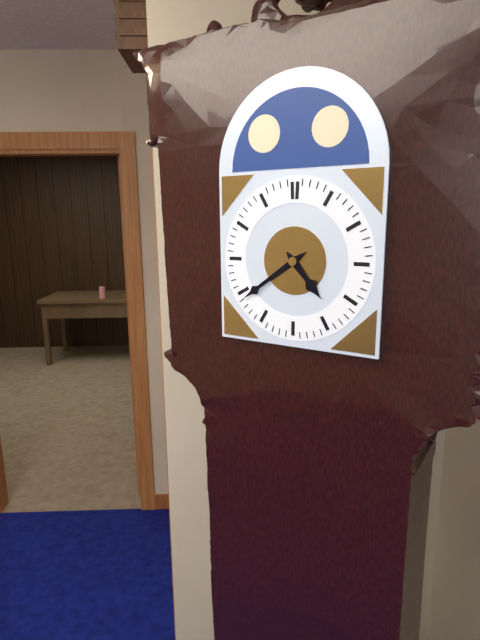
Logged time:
4,39
